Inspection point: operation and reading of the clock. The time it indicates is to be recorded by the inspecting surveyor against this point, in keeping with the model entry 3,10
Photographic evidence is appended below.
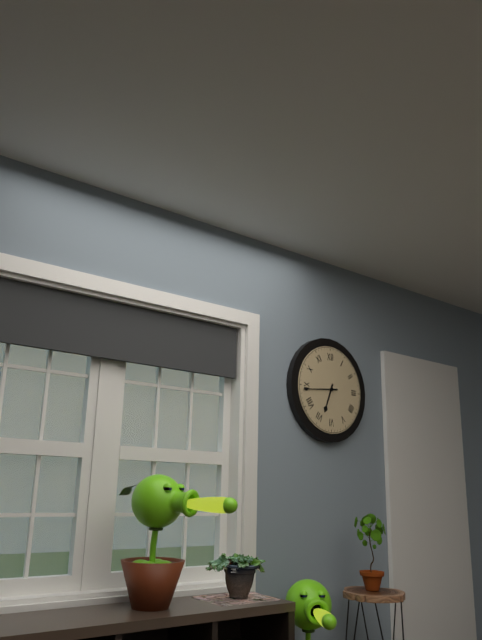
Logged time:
6,44
